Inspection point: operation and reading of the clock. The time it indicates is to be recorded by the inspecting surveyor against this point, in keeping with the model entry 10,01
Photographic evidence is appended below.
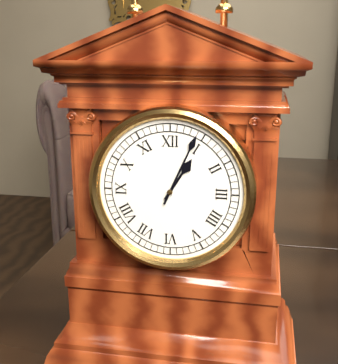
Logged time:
1,04
